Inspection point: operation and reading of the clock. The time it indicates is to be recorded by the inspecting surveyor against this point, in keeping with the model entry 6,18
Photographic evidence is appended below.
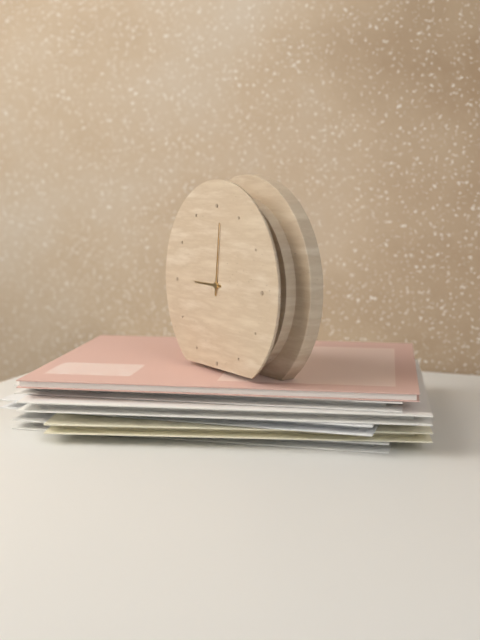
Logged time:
9,01
